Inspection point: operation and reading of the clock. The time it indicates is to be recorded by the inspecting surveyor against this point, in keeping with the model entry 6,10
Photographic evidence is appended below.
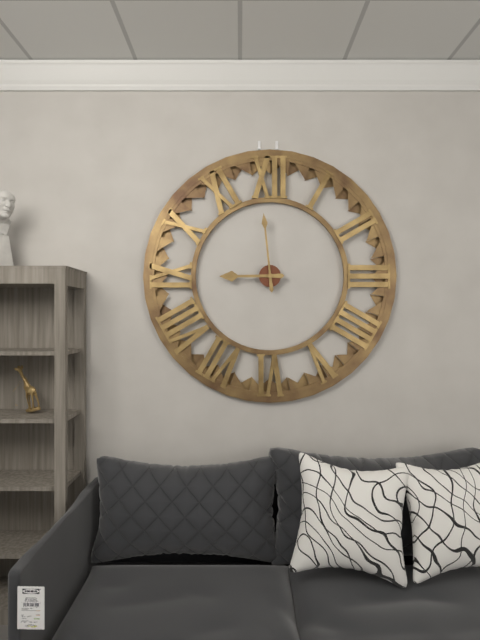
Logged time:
8,59
